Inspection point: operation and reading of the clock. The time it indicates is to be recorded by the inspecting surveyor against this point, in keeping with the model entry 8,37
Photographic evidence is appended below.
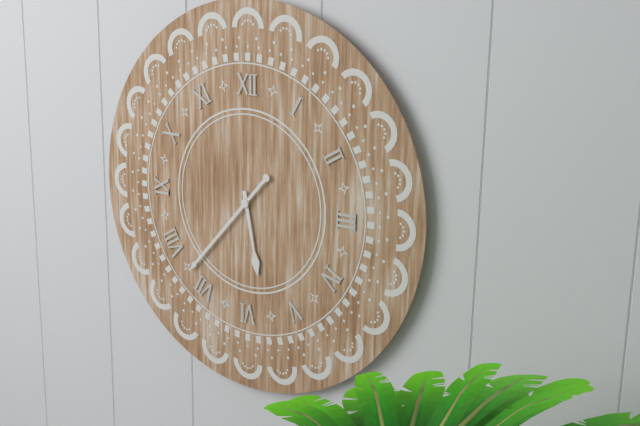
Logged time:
5,37
